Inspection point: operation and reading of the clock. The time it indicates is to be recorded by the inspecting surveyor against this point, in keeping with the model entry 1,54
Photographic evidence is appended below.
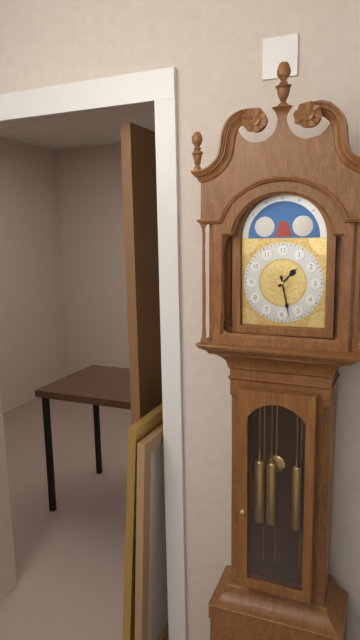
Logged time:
1,28
